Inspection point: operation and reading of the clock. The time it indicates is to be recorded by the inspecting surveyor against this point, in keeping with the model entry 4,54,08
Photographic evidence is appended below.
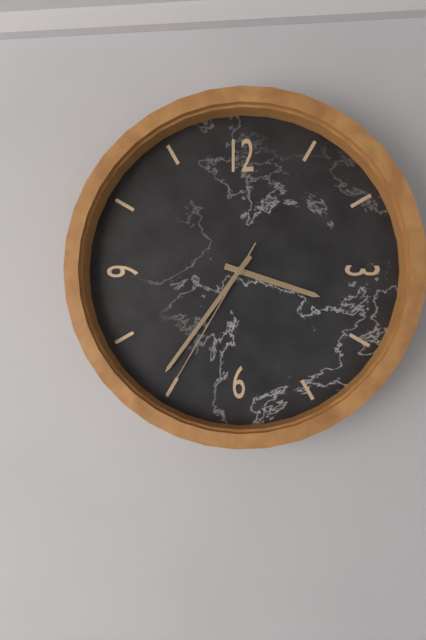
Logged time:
3,36,35
